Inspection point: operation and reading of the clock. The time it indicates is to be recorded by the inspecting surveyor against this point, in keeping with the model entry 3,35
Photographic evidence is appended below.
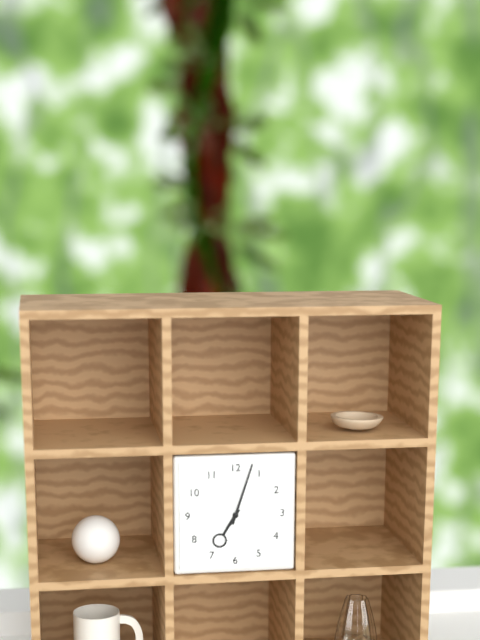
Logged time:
7,03
